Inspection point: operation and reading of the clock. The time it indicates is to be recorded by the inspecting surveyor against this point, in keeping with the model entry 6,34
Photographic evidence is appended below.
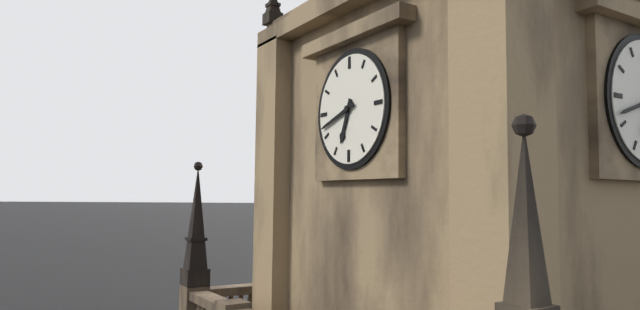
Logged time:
6,42
